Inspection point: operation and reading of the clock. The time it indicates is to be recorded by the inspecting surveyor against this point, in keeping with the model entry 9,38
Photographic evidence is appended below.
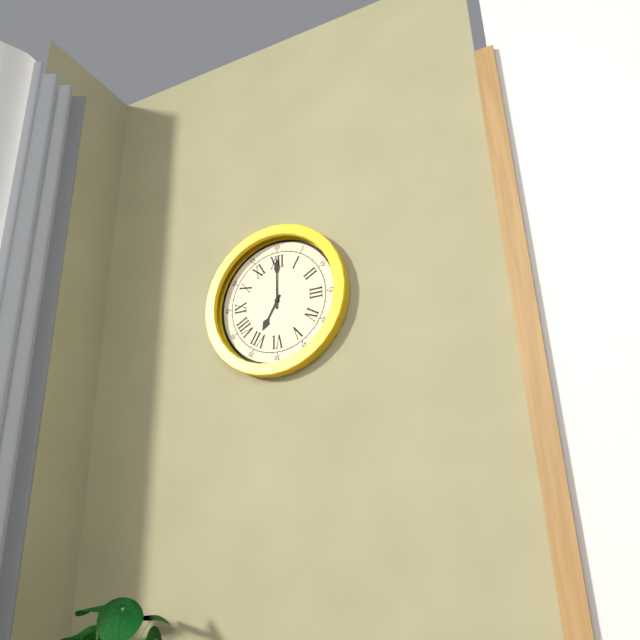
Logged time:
7,00
